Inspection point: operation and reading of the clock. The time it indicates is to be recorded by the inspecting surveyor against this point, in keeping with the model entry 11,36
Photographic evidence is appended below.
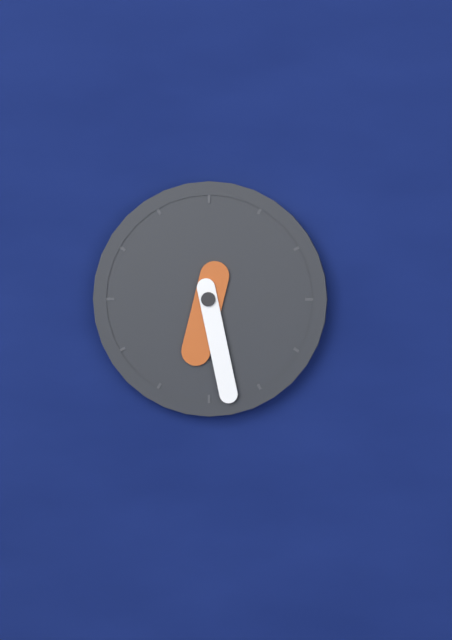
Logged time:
6,28
